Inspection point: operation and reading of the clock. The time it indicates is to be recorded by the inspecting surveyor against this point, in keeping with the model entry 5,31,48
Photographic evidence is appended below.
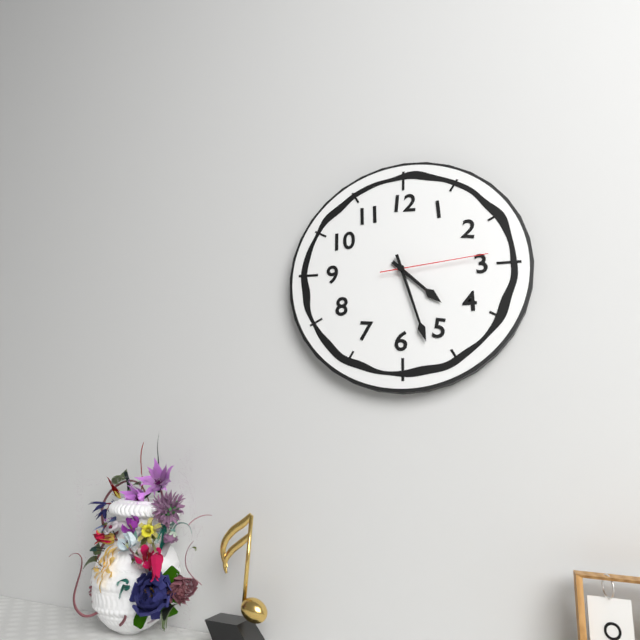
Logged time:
4,27,14
